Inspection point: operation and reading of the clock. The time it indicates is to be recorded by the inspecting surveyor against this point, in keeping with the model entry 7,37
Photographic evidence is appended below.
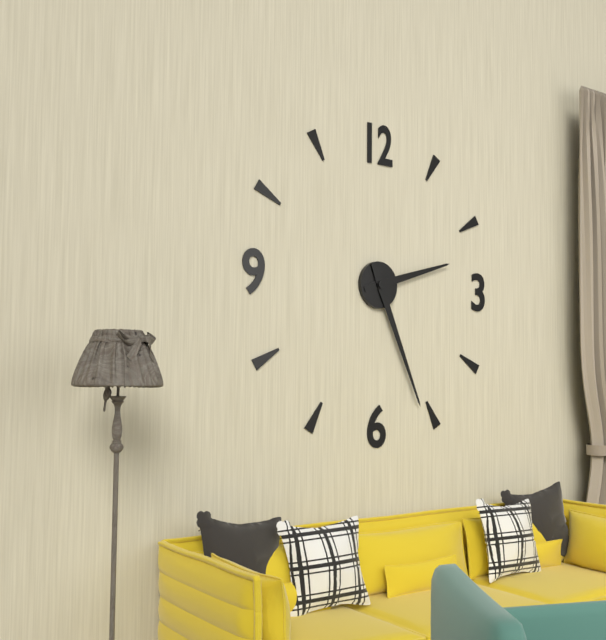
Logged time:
2,26
